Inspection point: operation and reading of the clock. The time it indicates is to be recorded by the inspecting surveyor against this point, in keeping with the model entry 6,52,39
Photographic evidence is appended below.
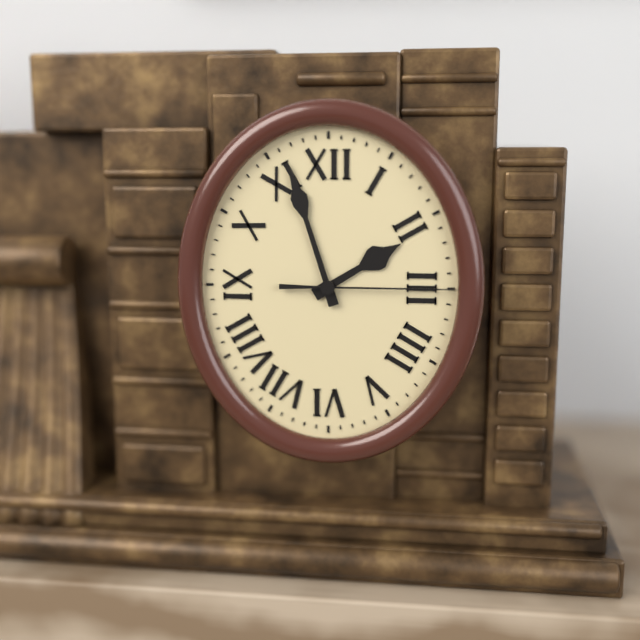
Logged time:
1,57,15
